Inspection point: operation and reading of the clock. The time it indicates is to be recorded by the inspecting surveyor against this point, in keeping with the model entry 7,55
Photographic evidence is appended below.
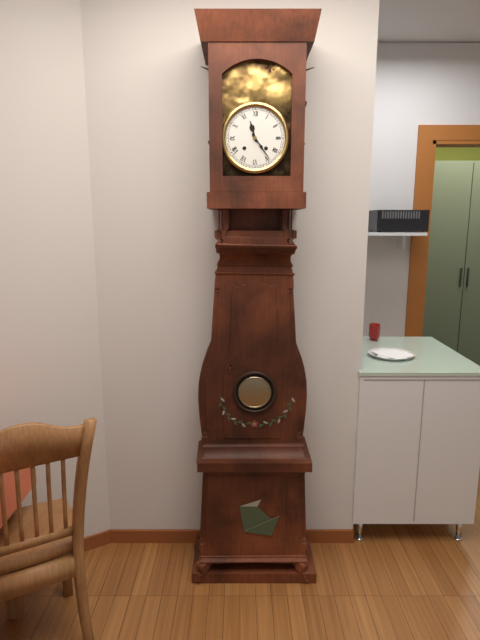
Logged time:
11,24
